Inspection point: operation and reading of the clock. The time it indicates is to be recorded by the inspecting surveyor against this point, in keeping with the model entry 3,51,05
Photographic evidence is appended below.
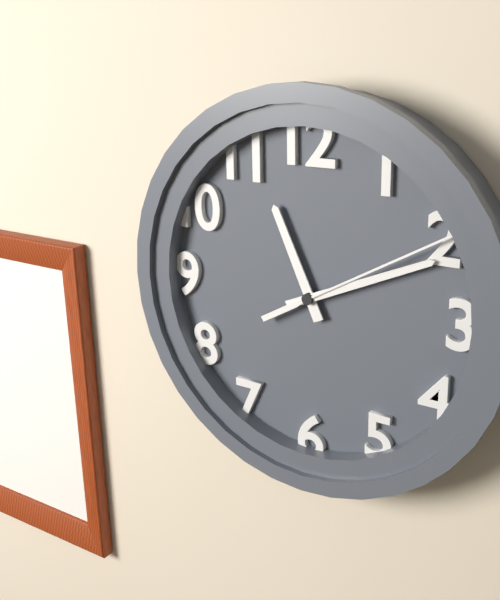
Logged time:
11,11,10
